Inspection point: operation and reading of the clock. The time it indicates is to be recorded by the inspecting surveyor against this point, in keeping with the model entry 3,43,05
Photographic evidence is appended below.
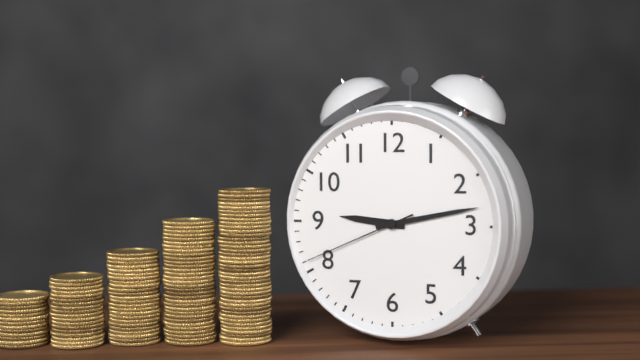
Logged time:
9,13,41
